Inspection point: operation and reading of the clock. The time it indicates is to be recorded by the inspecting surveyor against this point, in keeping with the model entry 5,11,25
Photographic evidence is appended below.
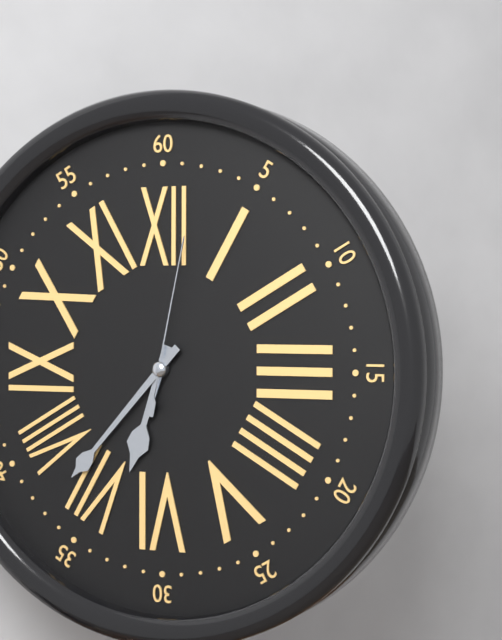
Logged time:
6,37,02
